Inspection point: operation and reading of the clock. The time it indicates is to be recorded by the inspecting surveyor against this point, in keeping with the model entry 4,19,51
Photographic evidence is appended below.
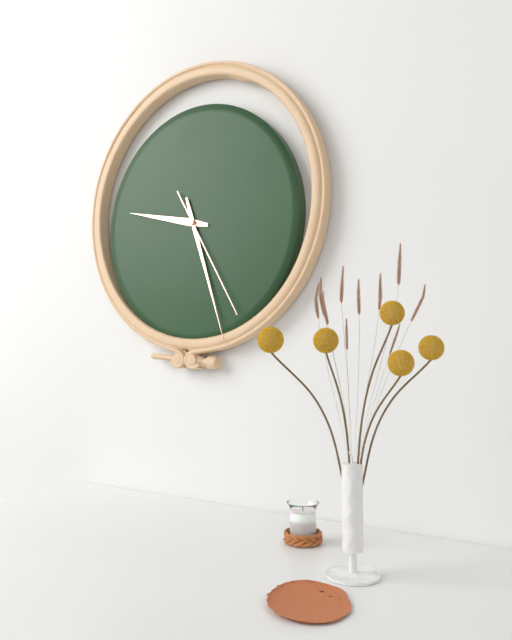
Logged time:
9,27,25
